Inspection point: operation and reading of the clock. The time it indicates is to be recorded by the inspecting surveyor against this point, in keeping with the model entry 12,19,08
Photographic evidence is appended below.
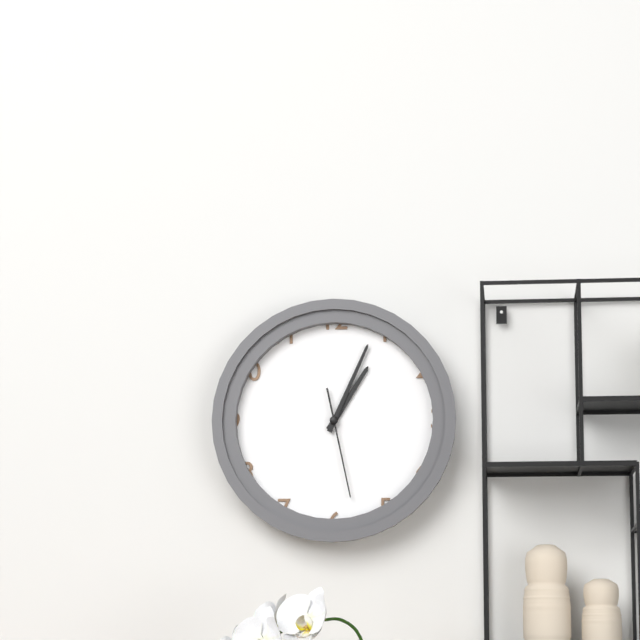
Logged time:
1,04,28
